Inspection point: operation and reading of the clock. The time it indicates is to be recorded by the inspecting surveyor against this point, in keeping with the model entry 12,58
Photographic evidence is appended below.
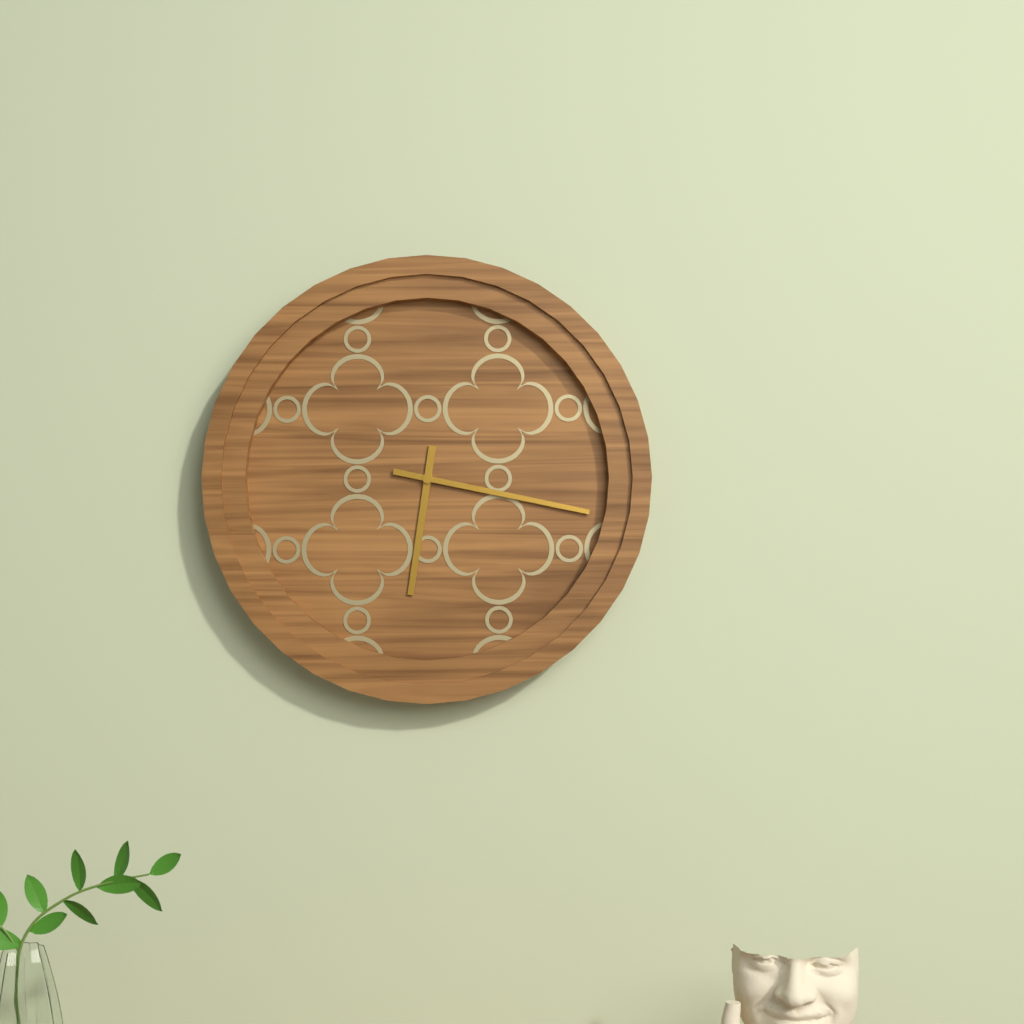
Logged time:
6,17
